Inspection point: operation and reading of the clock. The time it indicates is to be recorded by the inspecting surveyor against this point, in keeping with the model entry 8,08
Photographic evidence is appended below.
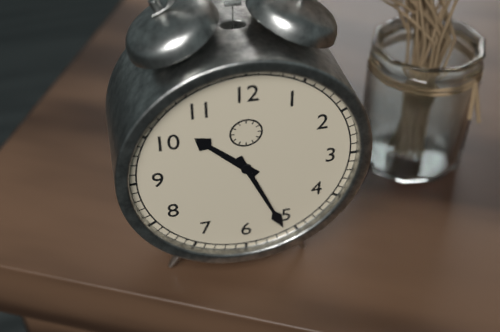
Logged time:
10,26
